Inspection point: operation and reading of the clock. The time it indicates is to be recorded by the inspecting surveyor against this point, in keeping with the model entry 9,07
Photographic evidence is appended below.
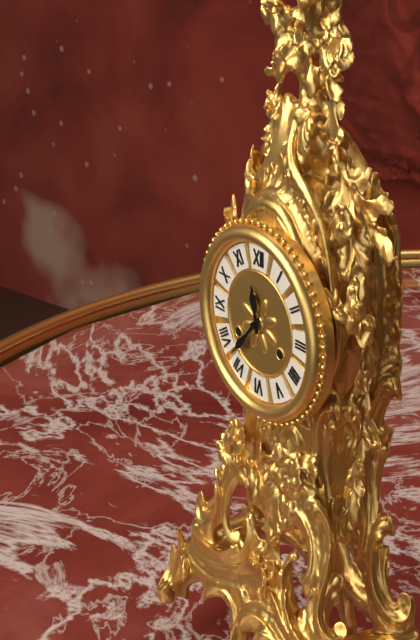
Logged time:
11,37
